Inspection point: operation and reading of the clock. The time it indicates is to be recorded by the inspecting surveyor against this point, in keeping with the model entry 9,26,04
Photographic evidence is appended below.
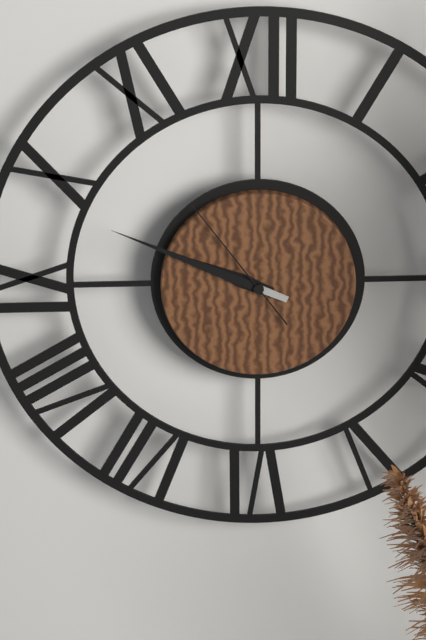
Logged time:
9,49,54
